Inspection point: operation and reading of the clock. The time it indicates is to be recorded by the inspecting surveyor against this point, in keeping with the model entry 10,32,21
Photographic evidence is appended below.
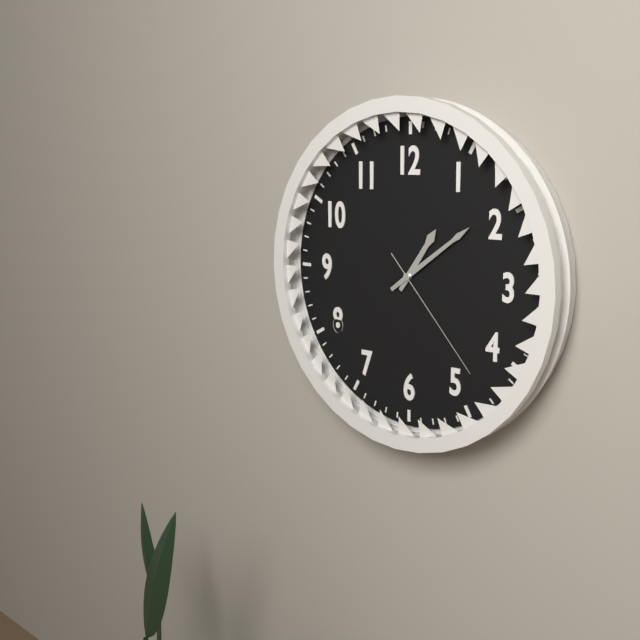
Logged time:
1,09,23
